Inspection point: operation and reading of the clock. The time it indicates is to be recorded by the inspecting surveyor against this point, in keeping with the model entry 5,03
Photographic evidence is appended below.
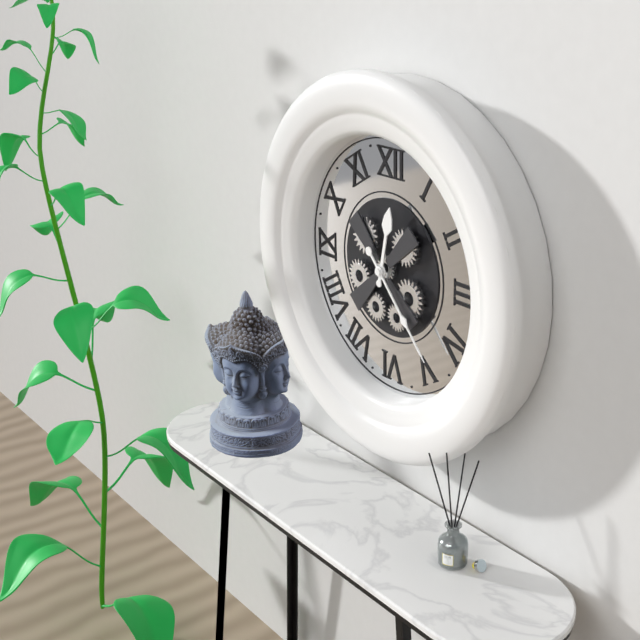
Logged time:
12,23
